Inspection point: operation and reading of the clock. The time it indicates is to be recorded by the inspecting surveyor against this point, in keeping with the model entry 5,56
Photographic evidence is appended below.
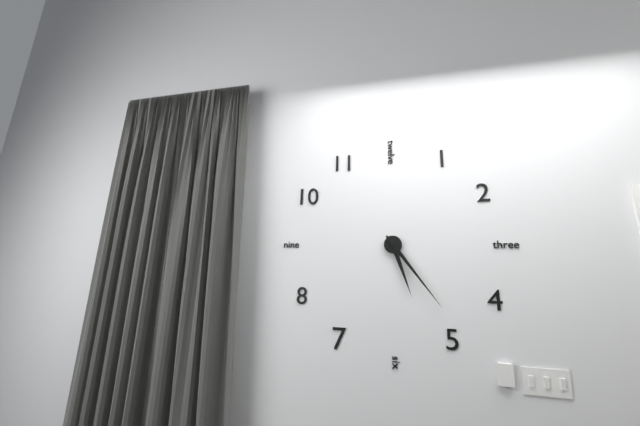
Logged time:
5,24
